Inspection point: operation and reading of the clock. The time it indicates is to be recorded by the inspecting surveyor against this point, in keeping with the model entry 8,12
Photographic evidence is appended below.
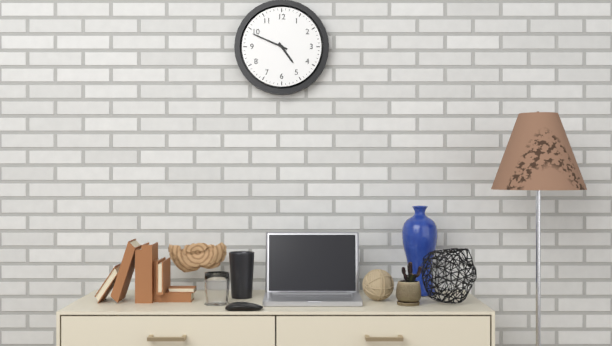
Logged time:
4,49
